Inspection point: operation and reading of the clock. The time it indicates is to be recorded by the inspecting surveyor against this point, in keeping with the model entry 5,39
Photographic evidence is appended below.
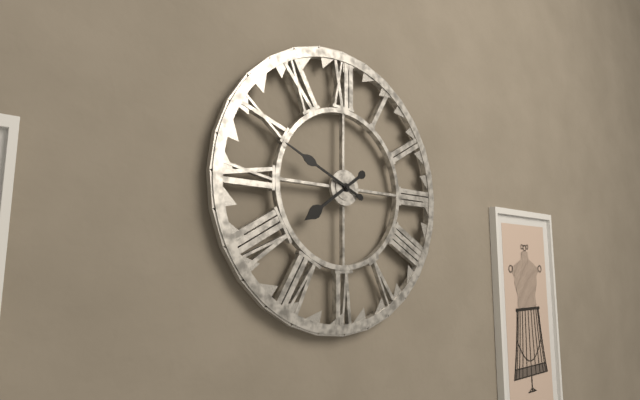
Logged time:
7,49
